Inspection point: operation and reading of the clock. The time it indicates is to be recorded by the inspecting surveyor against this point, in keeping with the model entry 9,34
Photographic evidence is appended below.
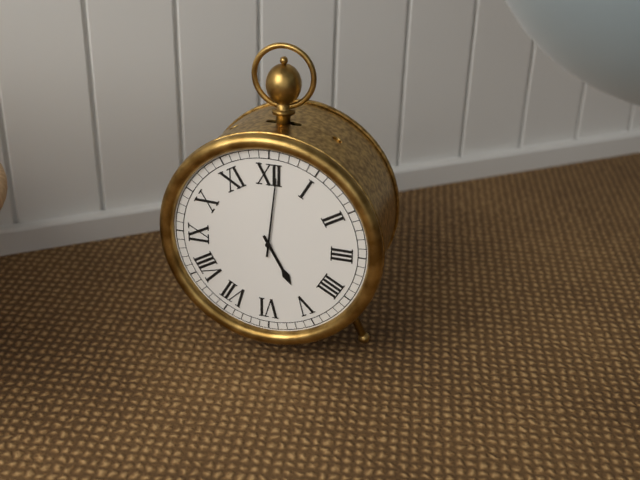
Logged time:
5,01
